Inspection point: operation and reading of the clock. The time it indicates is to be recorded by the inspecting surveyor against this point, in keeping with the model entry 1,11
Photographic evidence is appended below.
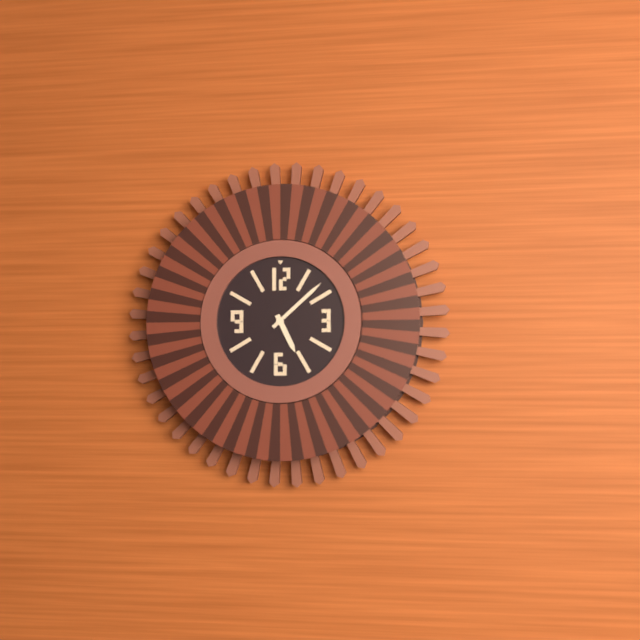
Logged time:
5,08
